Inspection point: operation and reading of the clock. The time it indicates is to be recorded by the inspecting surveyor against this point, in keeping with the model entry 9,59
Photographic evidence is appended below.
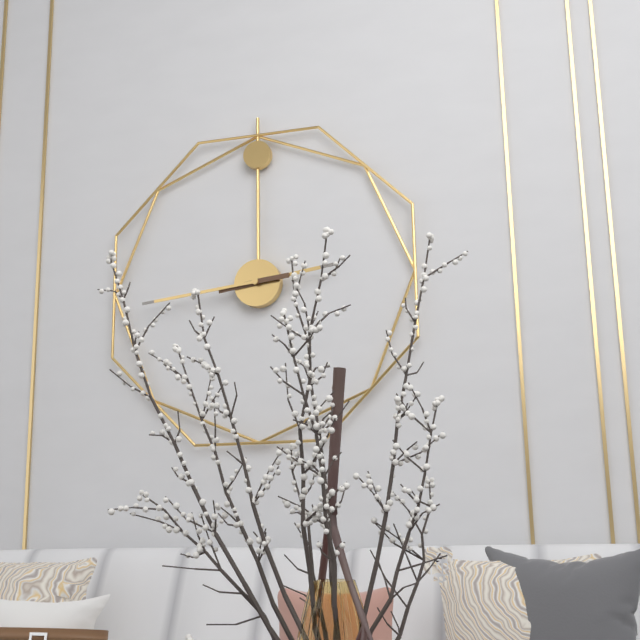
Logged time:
2,44
